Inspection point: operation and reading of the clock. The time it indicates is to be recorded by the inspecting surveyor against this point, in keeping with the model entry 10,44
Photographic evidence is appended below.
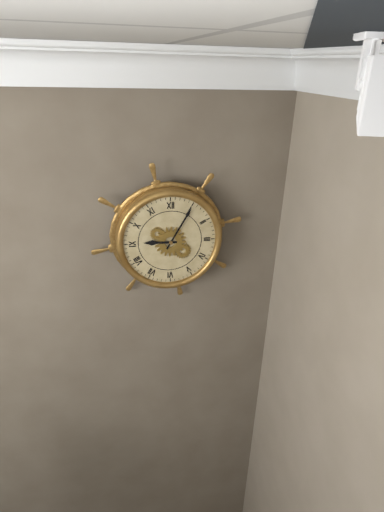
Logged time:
9,05
